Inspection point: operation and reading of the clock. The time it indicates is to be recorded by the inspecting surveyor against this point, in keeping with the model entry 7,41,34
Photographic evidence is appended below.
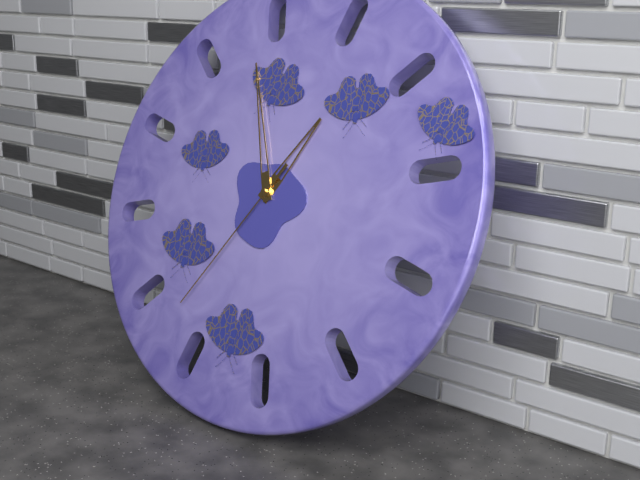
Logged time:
12,56,35
